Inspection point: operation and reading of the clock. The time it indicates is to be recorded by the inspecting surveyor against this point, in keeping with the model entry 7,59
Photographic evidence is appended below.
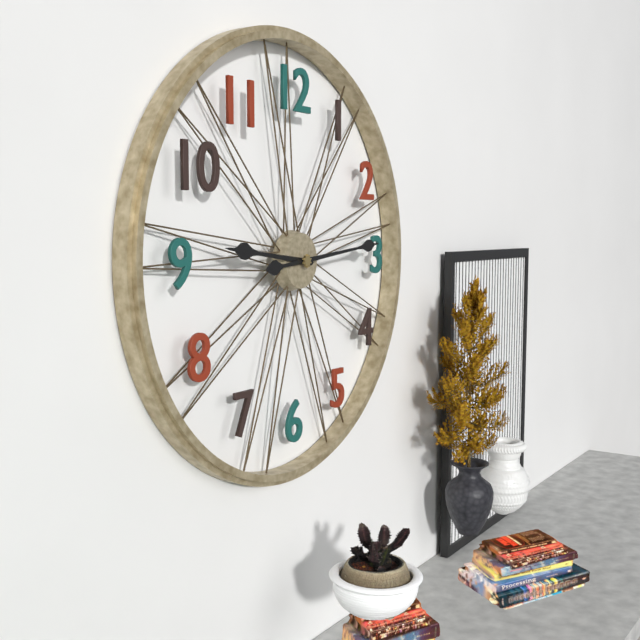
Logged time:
9,14
